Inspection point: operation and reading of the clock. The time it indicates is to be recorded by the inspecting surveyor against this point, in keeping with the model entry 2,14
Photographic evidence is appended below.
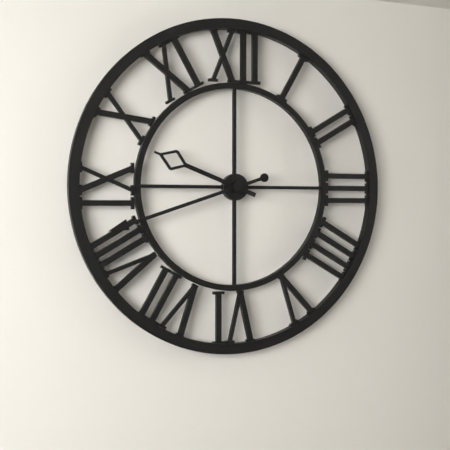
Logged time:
9,42
